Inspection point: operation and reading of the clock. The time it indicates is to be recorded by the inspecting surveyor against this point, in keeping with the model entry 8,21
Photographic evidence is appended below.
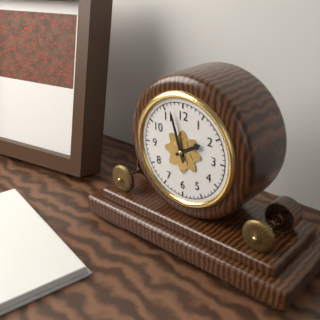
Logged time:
1,57
